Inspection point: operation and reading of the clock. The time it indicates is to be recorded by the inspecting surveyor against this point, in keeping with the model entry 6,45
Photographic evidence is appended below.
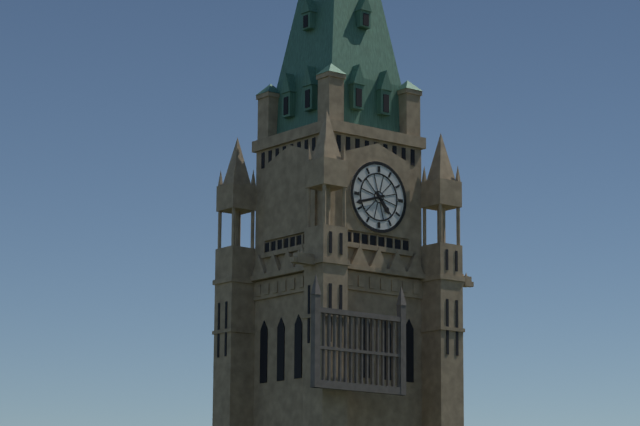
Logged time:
4,42
